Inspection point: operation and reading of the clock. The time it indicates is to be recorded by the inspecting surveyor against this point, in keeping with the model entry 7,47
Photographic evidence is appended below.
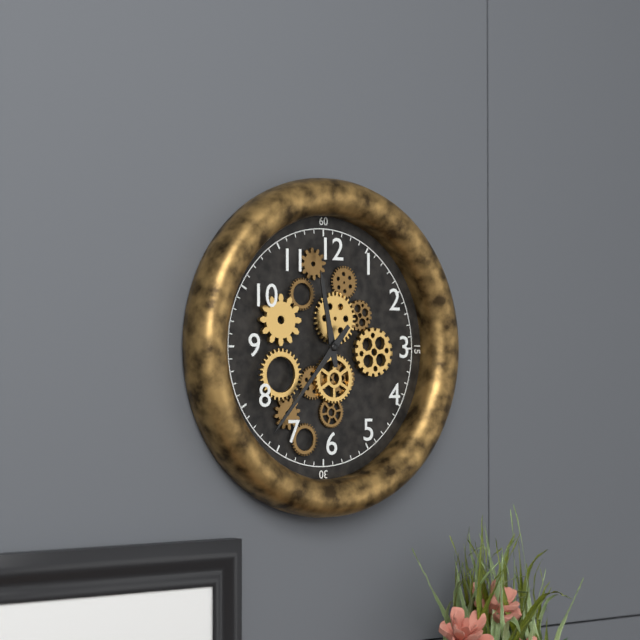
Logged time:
11,37
